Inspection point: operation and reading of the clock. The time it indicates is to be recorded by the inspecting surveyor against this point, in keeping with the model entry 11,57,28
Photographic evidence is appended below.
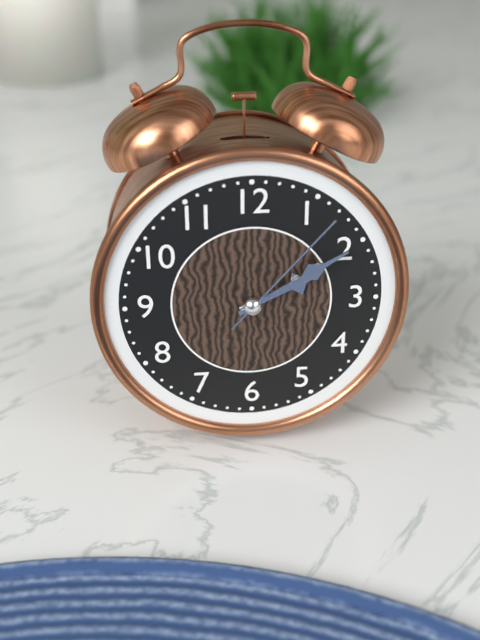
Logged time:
2,10,07
